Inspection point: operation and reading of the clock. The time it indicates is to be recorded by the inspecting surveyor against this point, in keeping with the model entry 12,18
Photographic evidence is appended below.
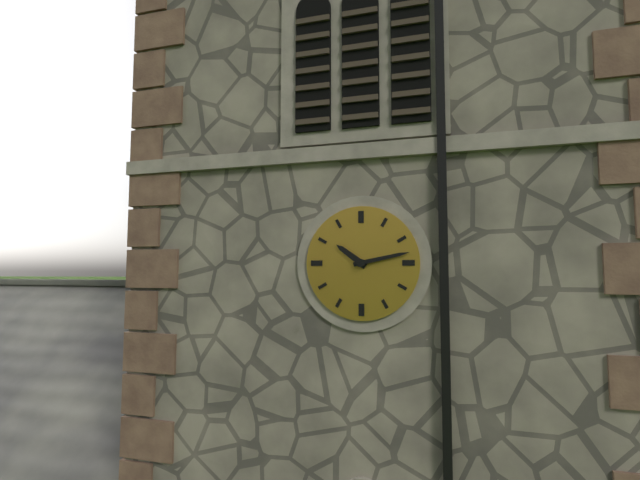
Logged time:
10,13
